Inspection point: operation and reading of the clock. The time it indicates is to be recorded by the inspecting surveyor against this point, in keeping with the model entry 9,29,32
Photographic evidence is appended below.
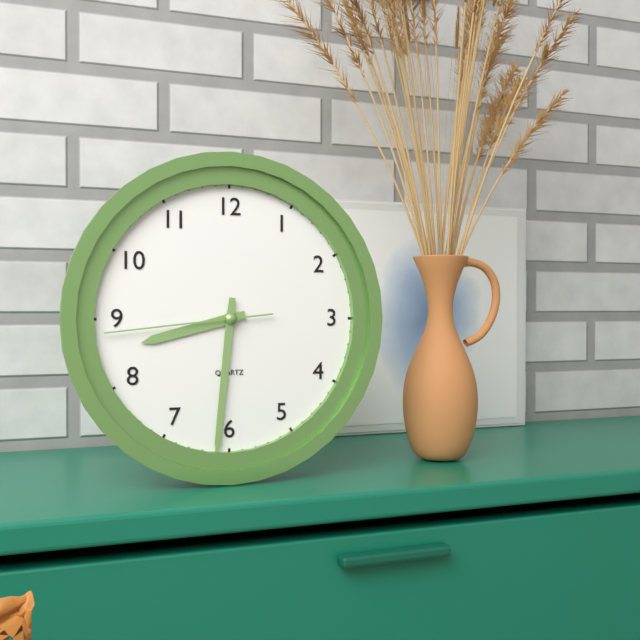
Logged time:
8,31,44
